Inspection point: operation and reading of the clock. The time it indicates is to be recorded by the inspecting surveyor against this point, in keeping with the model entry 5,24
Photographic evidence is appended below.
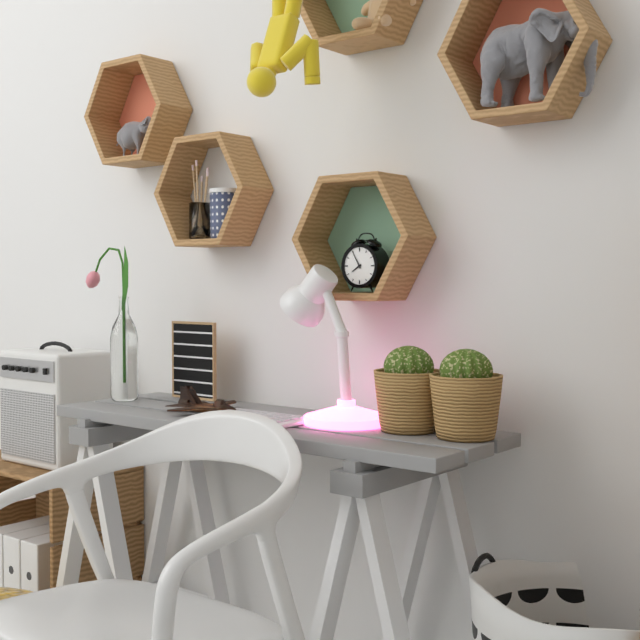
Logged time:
7,55
